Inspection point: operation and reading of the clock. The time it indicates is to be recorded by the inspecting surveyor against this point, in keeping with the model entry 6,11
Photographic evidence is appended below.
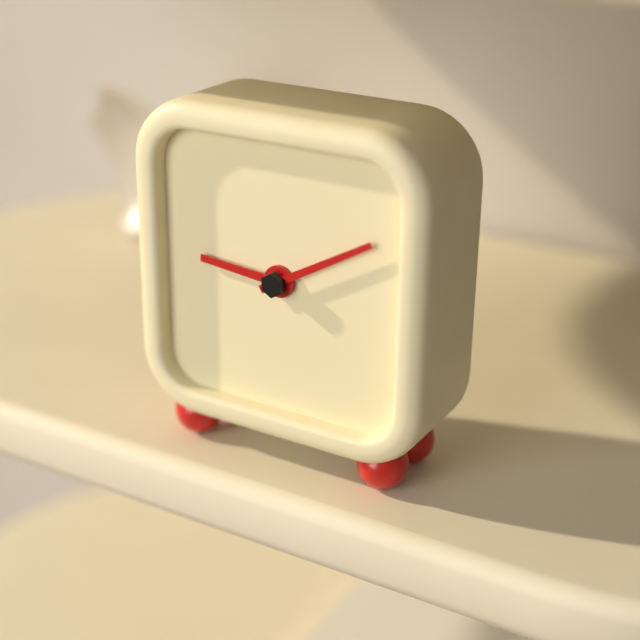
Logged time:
9,10
